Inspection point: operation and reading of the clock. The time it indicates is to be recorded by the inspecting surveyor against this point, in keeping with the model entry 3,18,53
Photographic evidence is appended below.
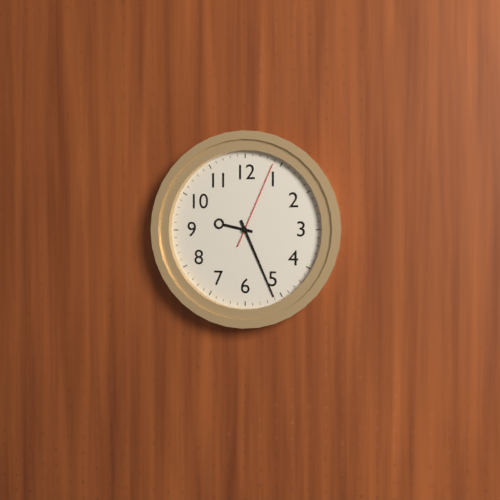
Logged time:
9,26,04
